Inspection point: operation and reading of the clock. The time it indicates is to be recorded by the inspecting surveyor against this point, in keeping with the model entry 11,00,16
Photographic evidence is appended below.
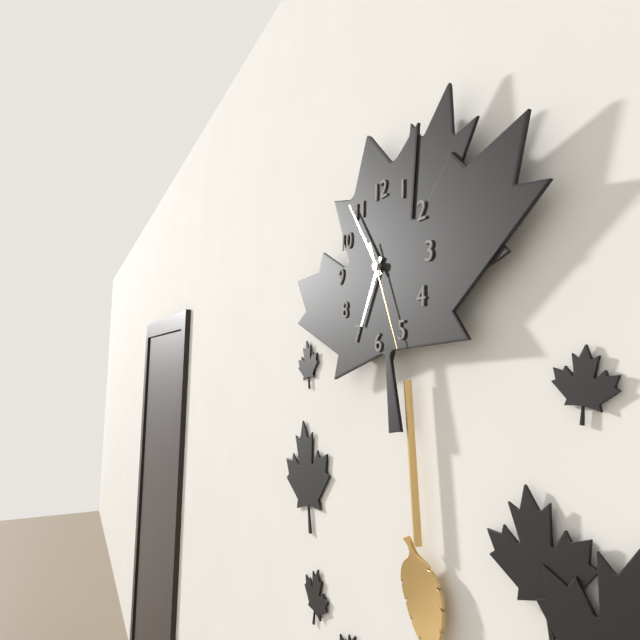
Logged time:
6,54,26
